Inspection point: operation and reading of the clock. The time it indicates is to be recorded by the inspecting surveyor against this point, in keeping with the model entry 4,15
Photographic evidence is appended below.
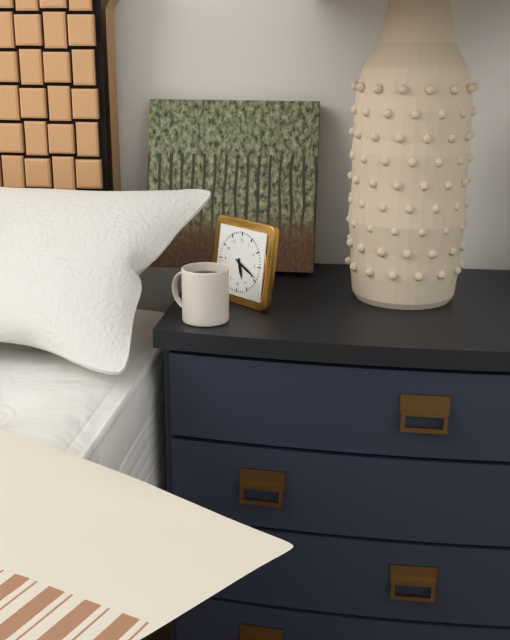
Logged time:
5,19
